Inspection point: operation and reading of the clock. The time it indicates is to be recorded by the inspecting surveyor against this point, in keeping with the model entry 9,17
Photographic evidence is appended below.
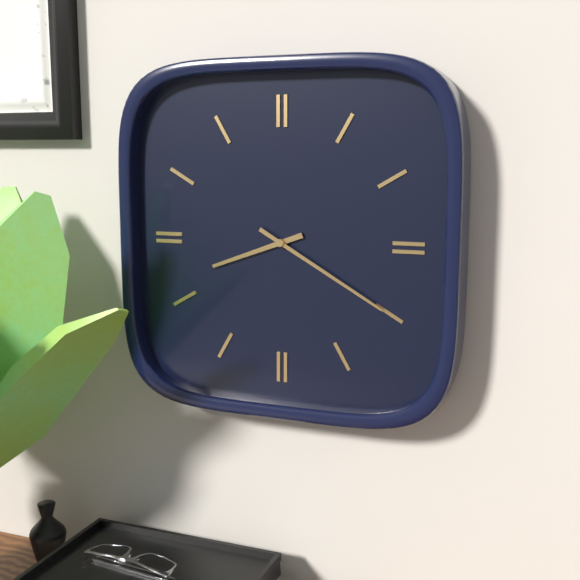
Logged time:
8,20
